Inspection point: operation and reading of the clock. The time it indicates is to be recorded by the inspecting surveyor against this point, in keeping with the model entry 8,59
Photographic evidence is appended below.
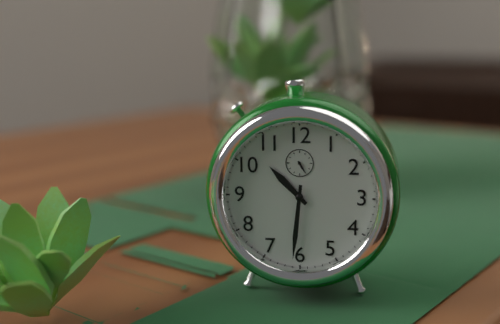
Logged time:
10,31
